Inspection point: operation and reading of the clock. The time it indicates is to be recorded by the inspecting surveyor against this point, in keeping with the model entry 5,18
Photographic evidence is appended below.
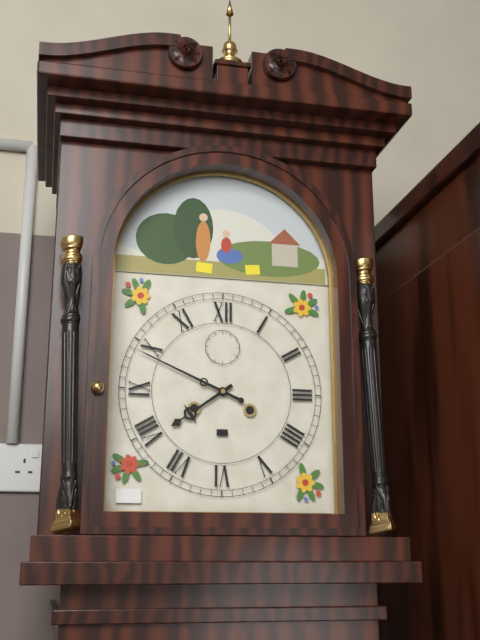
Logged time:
7,49
